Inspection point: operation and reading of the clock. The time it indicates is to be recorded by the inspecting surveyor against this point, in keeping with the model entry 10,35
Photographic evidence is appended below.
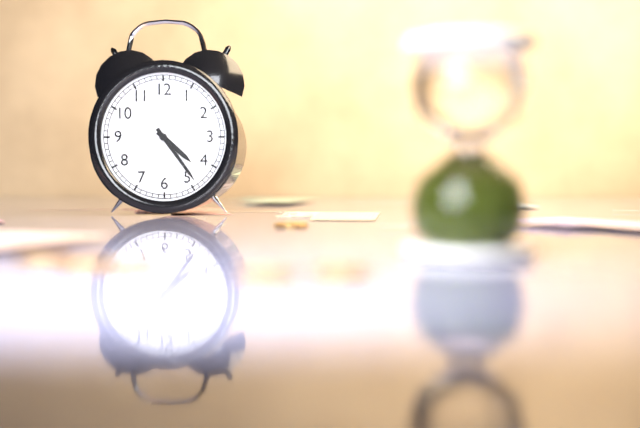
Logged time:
4,24
